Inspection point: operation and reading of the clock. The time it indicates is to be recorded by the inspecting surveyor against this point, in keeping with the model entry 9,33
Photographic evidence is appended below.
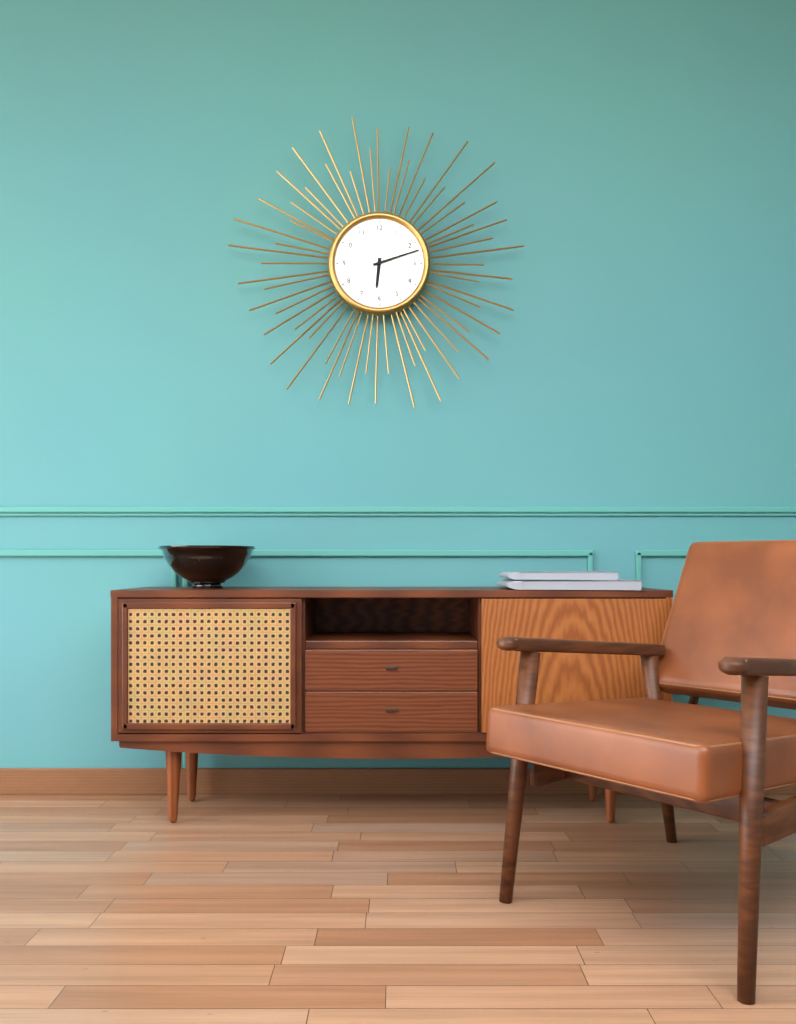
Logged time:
6,12
